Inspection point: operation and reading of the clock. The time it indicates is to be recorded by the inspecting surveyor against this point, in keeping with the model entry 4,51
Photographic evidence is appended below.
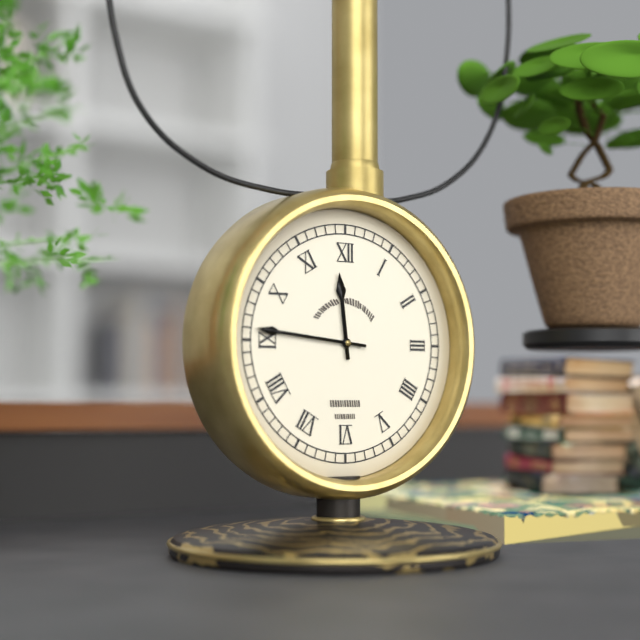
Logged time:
11,46
